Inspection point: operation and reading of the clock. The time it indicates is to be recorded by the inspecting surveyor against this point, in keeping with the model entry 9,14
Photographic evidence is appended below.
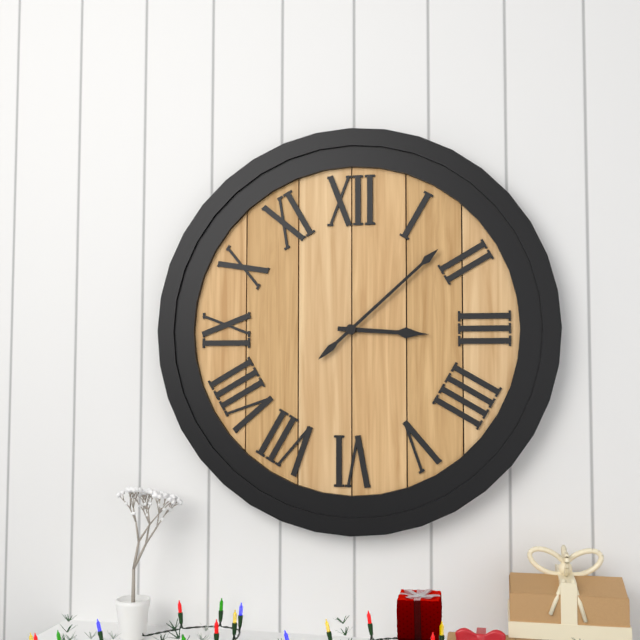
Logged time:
3,08
